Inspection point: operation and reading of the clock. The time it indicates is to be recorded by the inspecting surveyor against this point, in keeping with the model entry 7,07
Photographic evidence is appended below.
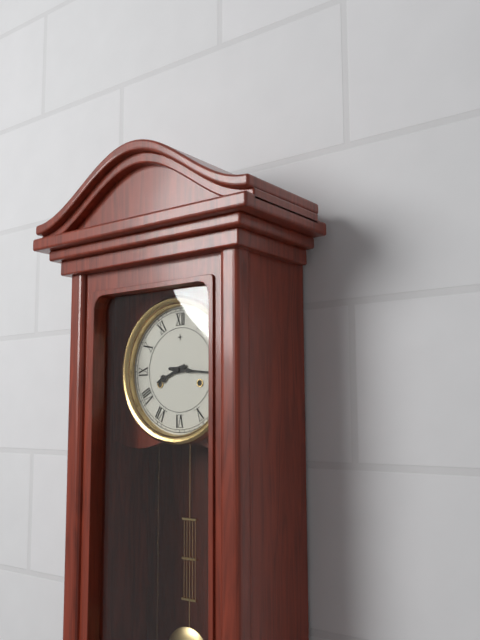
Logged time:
8,16
